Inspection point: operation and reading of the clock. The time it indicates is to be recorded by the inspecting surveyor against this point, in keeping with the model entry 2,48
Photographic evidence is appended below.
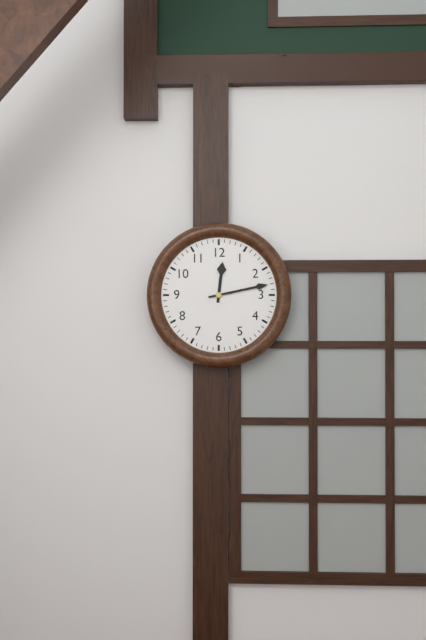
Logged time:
12,13
